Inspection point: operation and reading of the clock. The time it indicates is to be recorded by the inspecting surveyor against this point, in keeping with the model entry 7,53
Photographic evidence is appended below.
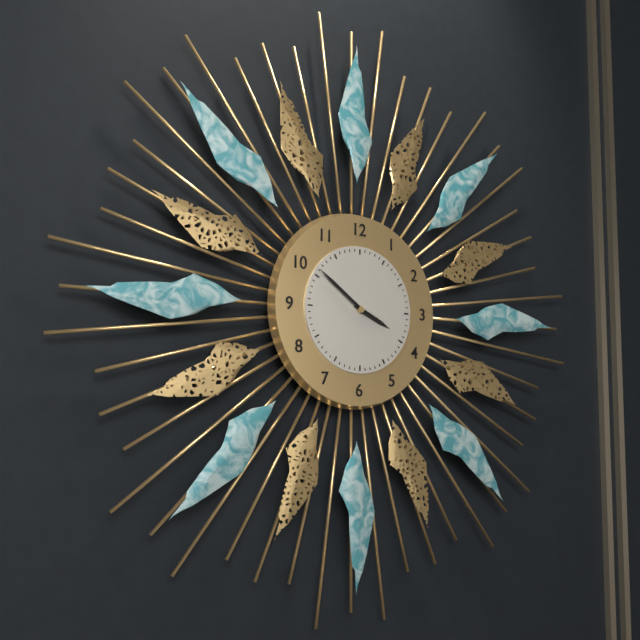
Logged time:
3,51
